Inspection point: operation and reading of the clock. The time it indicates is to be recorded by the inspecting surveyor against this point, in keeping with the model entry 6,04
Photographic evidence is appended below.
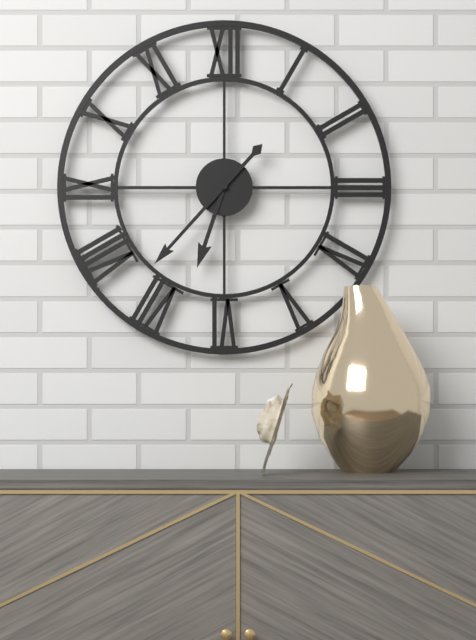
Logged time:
6,37
